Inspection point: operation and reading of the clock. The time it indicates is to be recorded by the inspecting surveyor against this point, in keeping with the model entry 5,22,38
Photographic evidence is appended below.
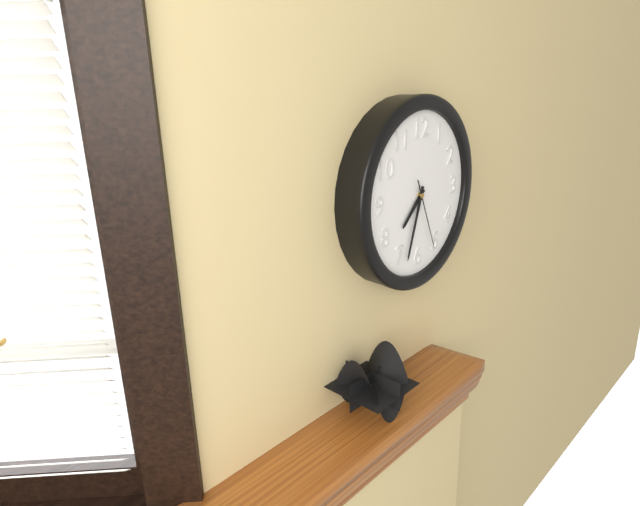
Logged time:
7,33,26
